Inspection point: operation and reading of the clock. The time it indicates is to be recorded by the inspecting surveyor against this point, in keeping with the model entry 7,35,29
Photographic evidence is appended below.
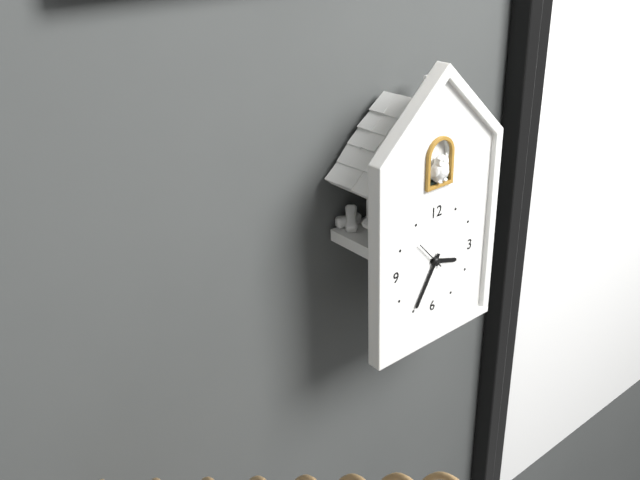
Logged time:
3,35,53
